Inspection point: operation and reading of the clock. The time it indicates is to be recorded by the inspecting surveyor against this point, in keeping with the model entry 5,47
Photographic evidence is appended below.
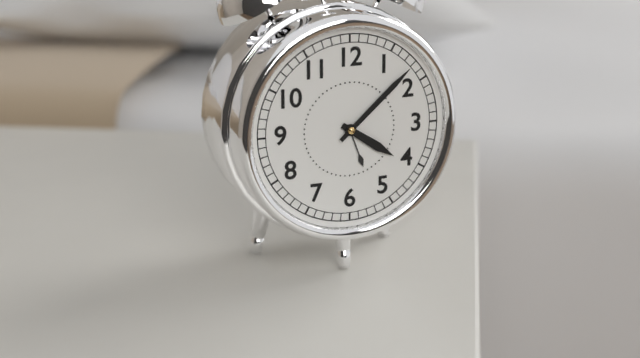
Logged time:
4,08
